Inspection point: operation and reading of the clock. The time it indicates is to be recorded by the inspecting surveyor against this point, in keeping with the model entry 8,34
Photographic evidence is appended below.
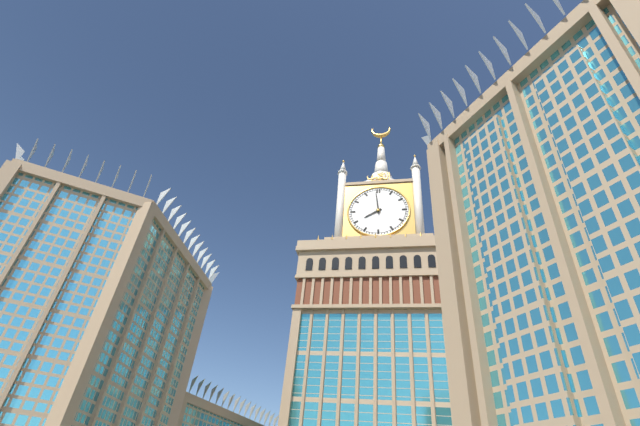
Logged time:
7,59
